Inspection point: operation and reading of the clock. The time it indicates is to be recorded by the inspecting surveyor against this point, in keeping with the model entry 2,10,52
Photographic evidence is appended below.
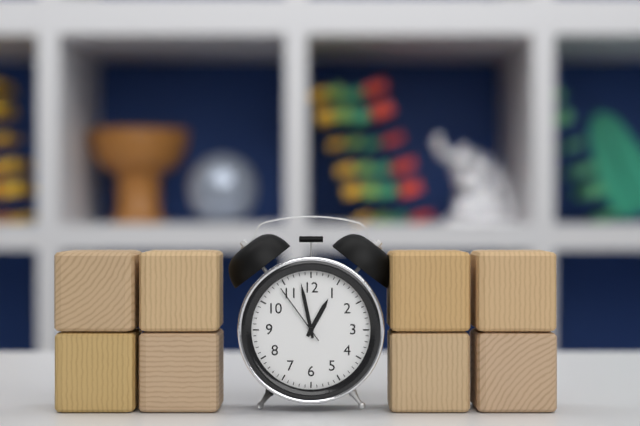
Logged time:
12,58,54
